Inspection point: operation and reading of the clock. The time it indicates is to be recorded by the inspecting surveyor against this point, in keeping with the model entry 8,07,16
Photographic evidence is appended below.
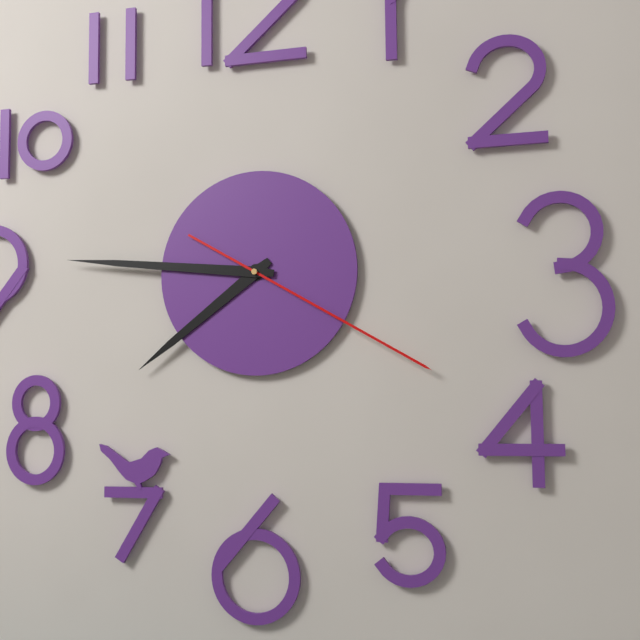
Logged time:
7,46,20
